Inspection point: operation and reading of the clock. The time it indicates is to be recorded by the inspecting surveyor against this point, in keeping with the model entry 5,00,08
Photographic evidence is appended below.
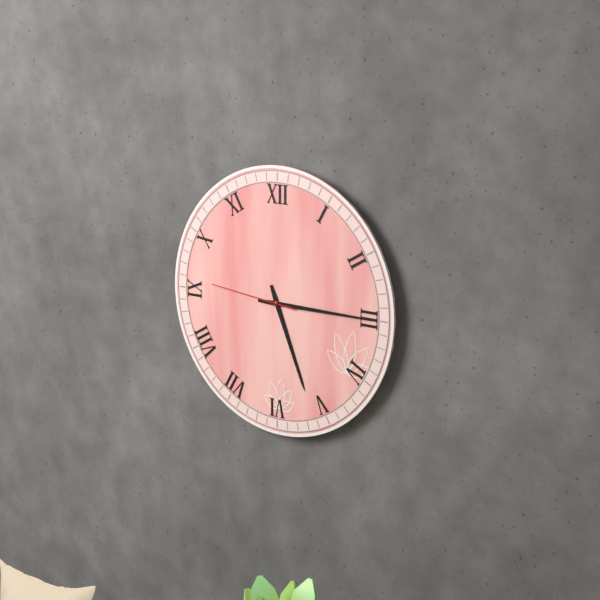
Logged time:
5,15,46
